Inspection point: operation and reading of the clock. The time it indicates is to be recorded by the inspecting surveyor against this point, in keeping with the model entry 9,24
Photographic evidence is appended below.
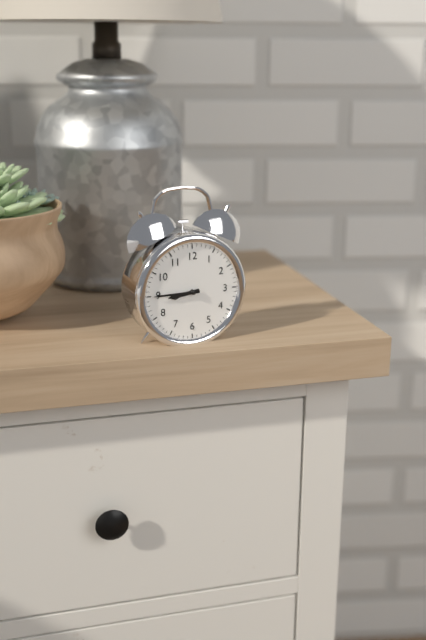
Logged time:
8,45
